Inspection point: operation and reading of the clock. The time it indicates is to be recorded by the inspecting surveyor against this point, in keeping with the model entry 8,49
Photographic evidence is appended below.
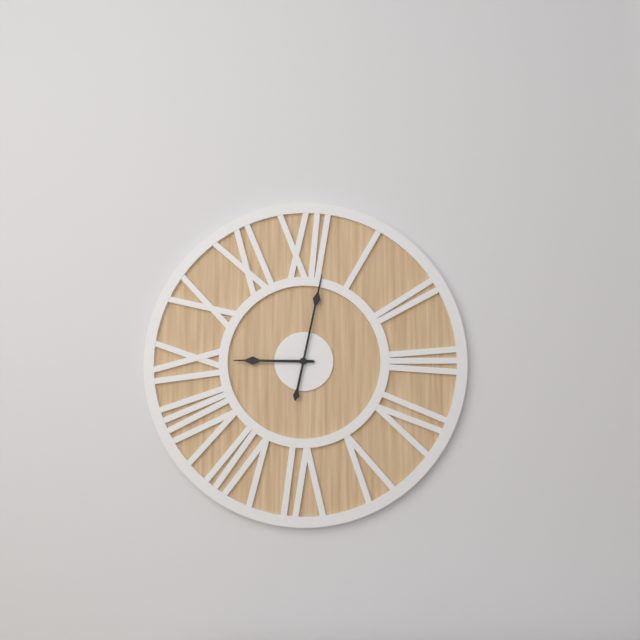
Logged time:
9,02
